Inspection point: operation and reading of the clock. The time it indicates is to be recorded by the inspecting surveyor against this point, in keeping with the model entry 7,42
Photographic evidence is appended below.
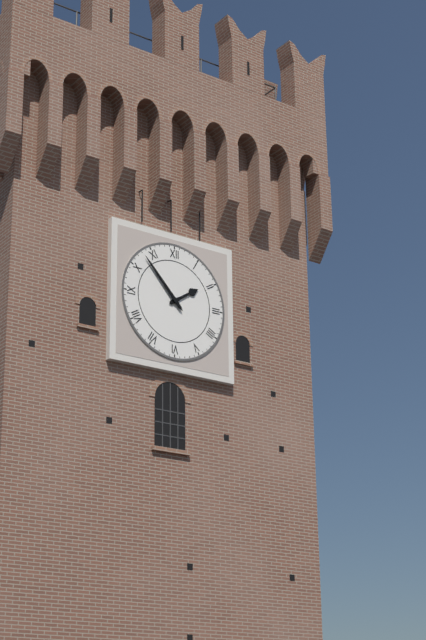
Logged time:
1,53
